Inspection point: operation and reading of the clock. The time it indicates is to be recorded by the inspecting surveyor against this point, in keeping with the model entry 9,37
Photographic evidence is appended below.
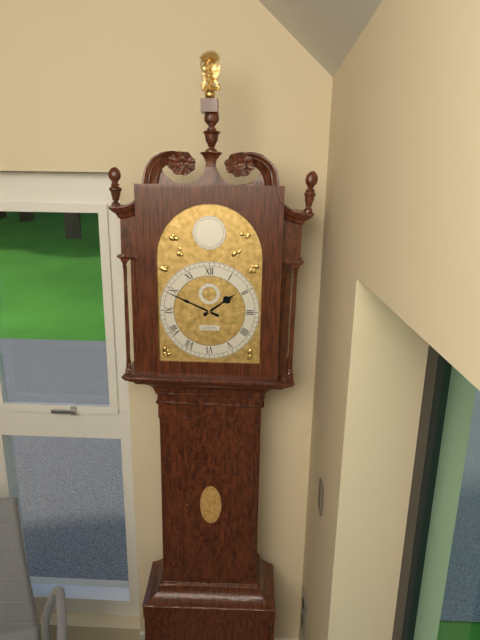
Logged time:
1,49
